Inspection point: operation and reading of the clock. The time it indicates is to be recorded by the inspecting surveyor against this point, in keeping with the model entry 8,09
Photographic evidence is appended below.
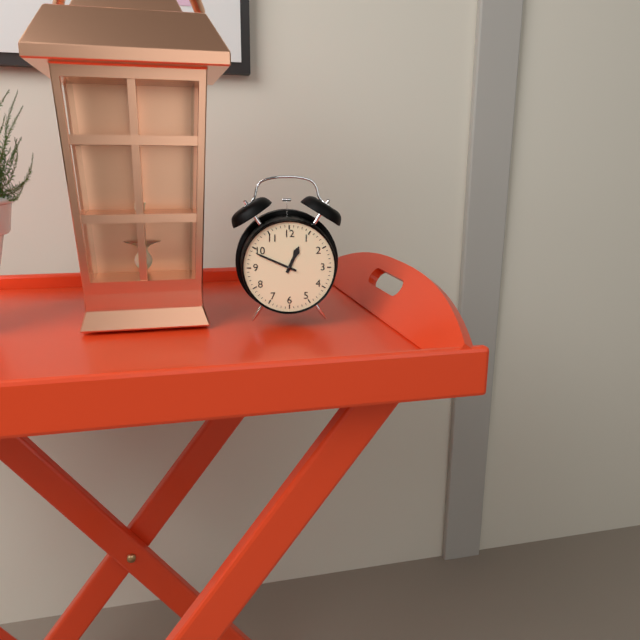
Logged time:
12,49
